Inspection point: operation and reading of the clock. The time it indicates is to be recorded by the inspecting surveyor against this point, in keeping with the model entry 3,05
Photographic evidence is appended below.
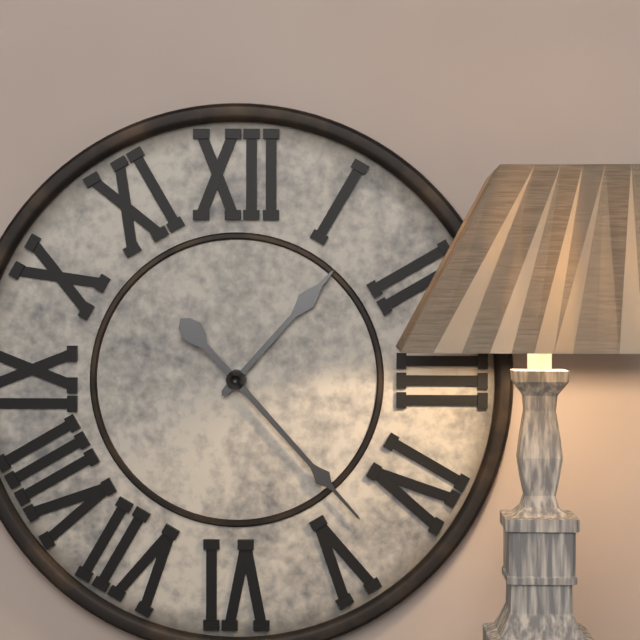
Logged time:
1,23
